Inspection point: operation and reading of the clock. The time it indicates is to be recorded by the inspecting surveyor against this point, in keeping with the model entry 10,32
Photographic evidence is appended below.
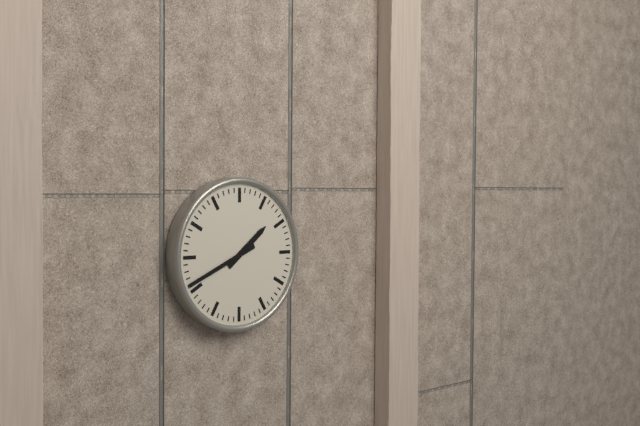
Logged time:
1,41
